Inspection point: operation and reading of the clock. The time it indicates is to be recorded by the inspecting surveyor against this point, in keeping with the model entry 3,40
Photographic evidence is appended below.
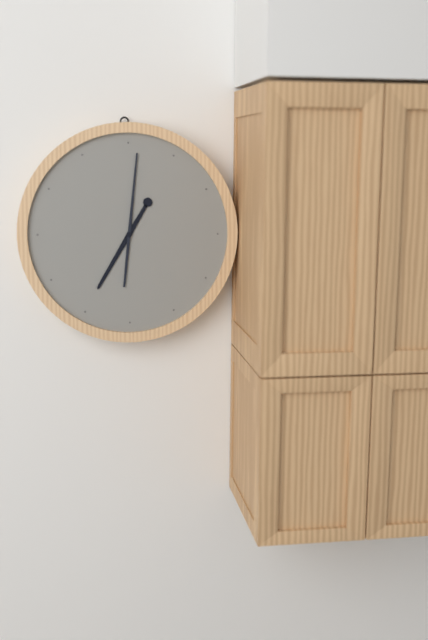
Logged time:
7,01
